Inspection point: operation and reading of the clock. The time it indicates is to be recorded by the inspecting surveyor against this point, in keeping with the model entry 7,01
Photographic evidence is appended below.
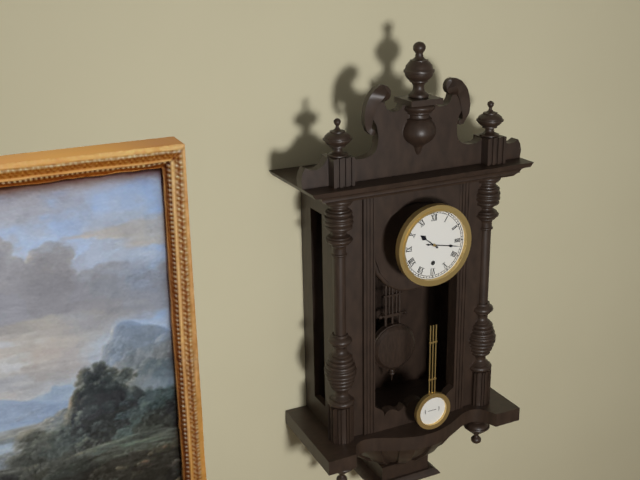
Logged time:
10,17
